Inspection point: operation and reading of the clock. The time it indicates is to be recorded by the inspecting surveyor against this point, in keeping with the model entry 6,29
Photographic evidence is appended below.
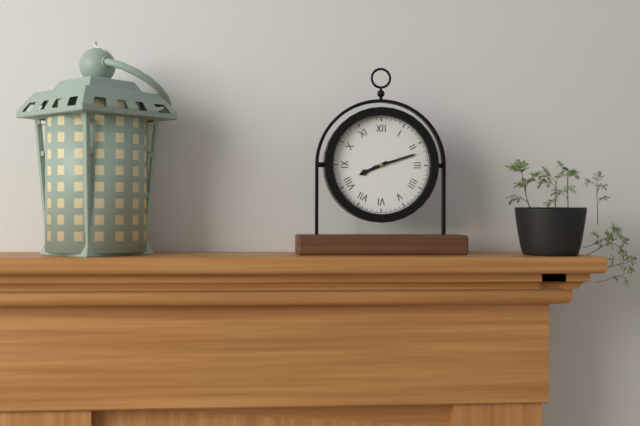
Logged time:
8,12
